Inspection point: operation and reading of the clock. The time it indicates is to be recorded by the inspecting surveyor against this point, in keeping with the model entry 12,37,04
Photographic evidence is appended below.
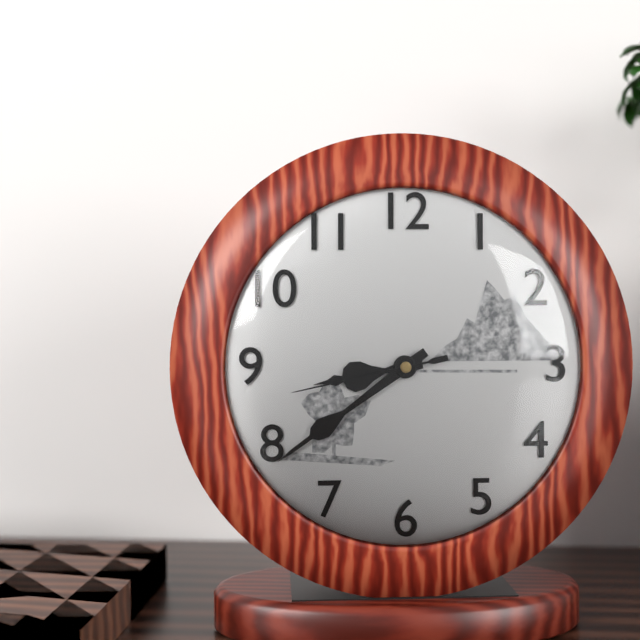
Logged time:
8,39,43
